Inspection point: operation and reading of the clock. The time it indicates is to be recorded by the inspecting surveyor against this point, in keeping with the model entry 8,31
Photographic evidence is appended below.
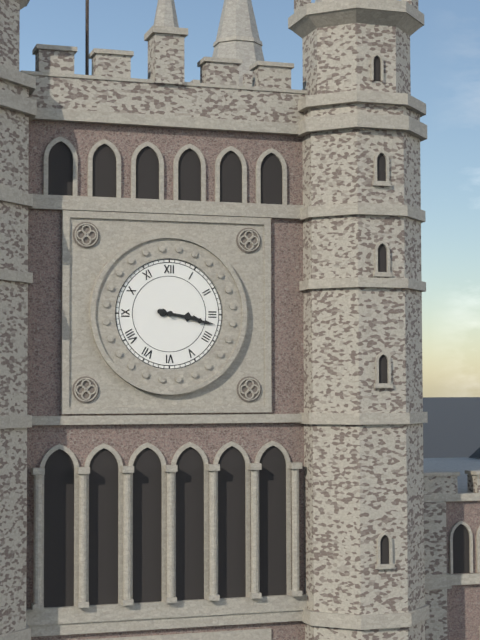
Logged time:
3,17
